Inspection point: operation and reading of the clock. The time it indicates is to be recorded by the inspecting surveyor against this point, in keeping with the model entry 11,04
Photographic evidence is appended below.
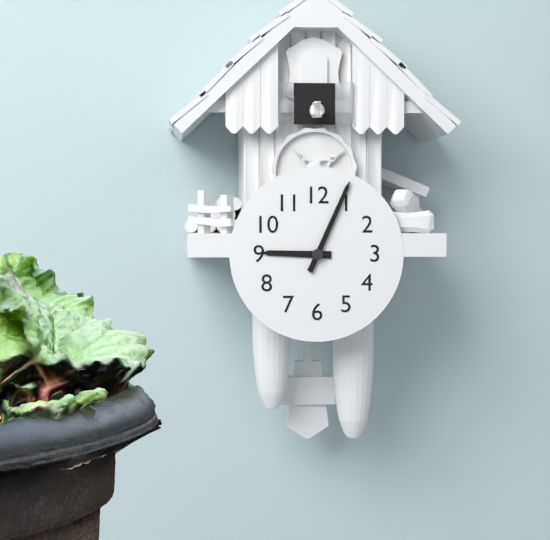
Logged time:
9,04
